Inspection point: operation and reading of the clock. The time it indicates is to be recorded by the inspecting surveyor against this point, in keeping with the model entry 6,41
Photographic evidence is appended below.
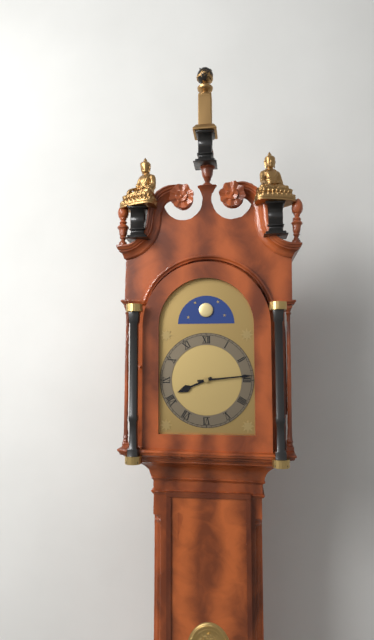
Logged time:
8,14
